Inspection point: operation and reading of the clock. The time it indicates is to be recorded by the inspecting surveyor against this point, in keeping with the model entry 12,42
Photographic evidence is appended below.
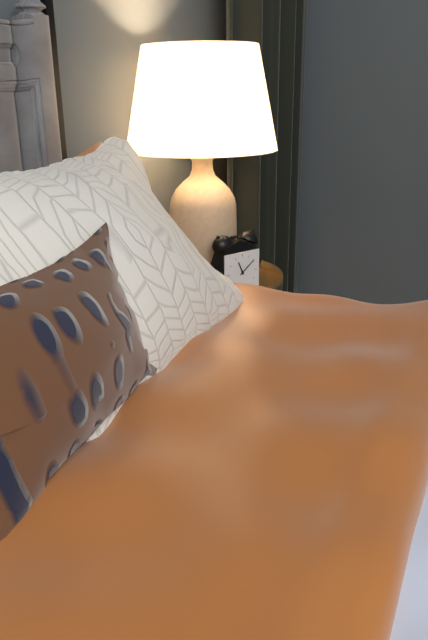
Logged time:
11,09
